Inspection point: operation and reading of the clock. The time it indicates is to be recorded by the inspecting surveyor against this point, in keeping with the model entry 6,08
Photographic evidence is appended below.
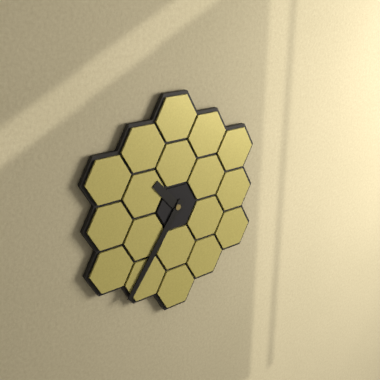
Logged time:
10,36
